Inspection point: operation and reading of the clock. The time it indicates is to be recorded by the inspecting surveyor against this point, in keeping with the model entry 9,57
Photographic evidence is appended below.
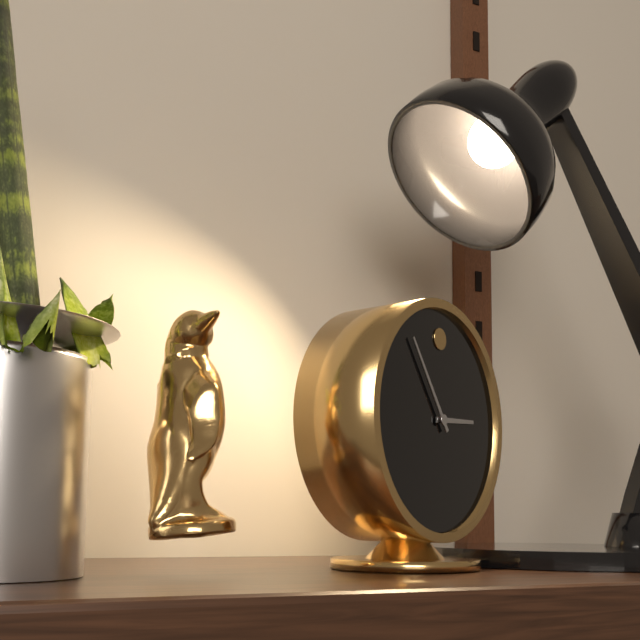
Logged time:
2,54
